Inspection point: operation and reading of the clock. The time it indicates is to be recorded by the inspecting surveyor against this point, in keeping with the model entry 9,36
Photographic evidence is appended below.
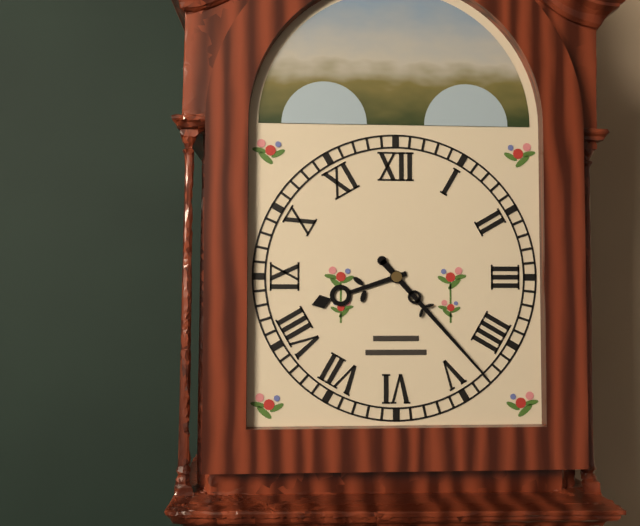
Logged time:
8,23
